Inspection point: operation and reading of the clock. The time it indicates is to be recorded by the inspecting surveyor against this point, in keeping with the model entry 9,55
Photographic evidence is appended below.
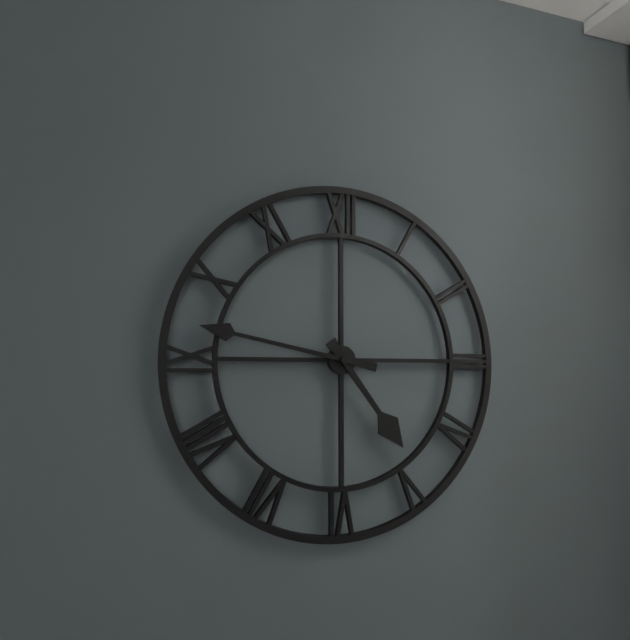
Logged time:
4,47
